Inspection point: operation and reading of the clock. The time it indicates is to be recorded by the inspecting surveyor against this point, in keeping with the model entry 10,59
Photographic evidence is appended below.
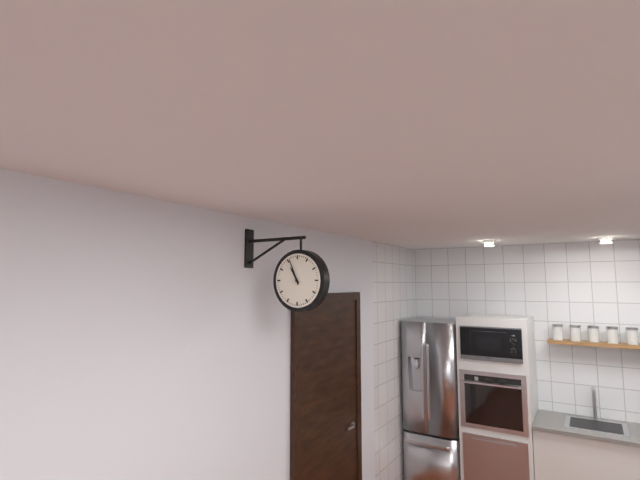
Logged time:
10,56
